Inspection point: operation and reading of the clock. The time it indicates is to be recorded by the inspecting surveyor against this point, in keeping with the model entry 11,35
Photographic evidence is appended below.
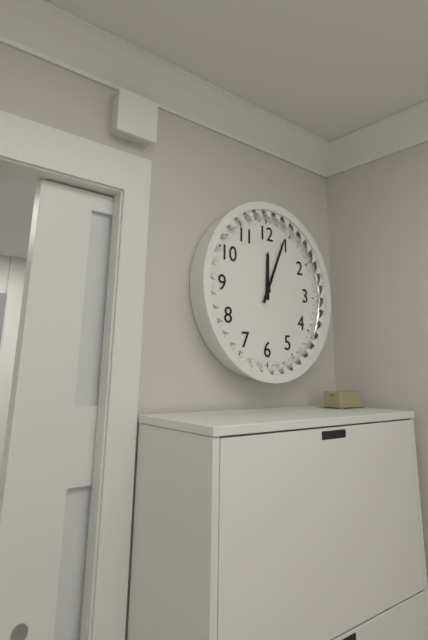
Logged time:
12,04
